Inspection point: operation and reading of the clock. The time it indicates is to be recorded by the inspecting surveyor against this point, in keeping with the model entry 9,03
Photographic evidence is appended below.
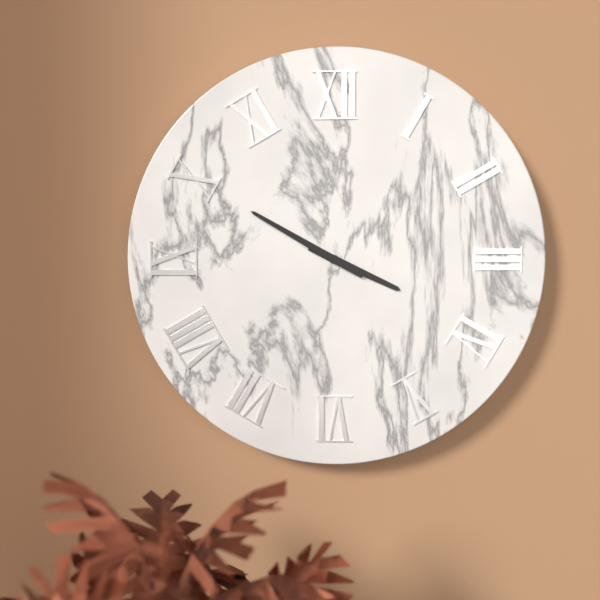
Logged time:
3,50
